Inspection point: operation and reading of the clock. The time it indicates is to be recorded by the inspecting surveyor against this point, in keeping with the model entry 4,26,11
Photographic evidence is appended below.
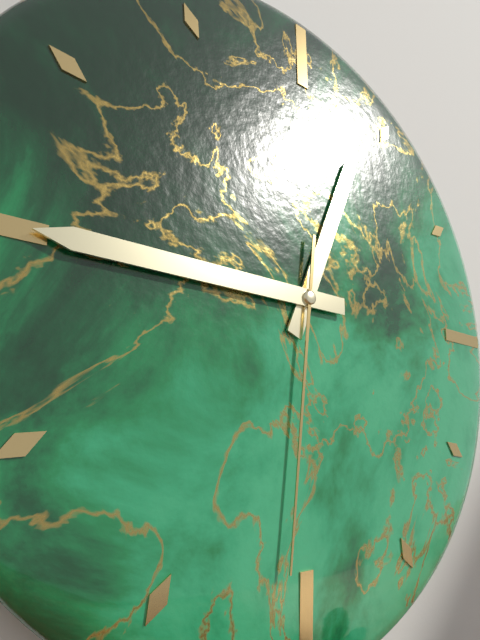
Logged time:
12,45,31
